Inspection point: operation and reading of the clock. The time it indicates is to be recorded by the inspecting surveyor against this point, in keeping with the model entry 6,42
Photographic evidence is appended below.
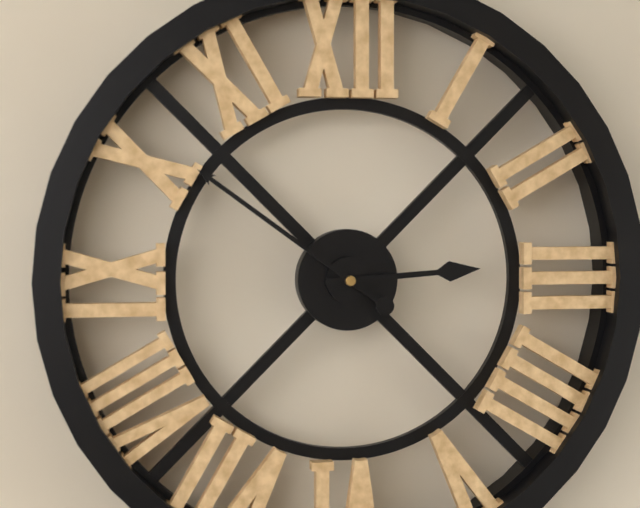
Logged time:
2,51
